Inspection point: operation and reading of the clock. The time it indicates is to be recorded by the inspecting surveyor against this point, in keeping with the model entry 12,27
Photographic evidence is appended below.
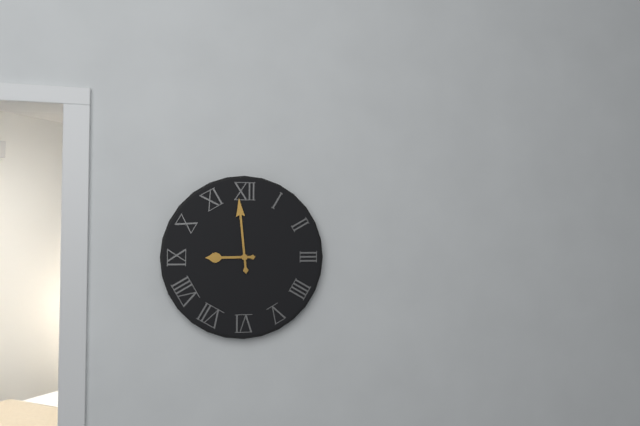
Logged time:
8,59
